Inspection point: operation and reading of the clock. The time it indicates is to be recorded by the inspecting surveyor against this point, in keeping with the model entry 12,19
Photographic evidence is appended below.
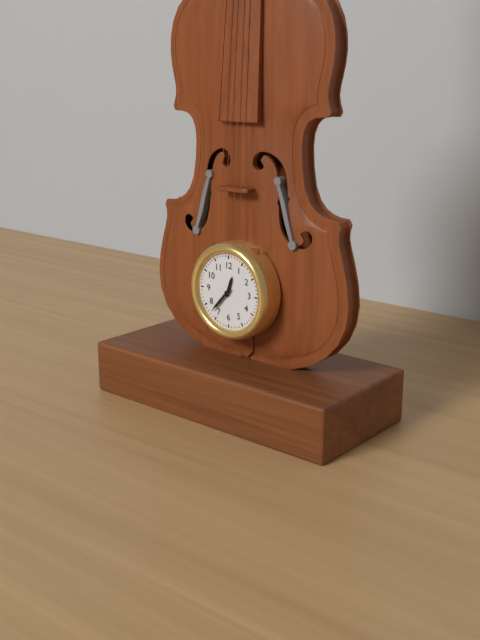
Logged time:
12,37
